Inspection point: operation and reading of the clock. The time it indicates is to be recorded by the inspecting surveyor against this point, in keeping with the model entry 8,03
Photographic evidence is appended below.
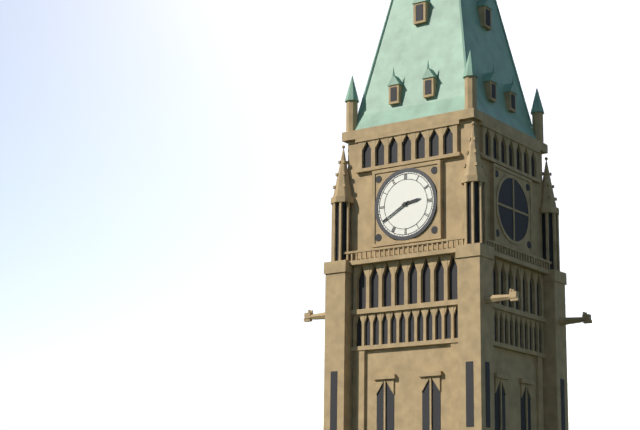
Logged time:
2,40
